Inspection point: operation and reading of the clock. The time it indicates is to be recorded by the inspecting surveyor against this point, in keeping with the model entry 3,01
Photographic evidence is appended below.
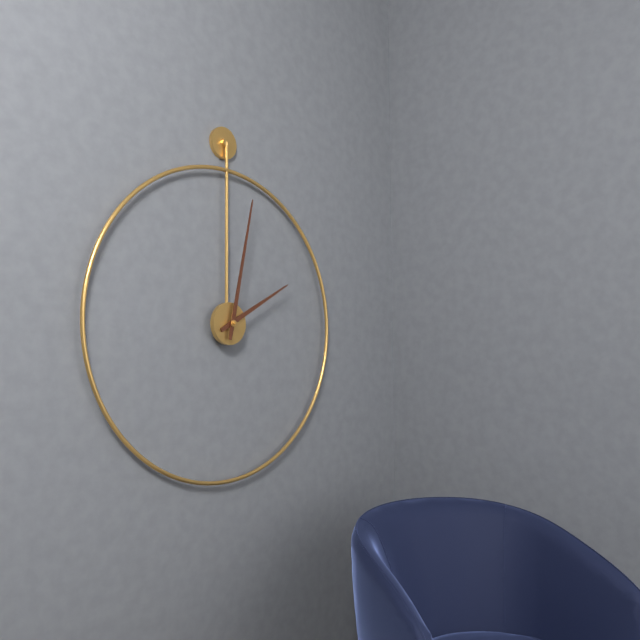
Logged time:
2,02
